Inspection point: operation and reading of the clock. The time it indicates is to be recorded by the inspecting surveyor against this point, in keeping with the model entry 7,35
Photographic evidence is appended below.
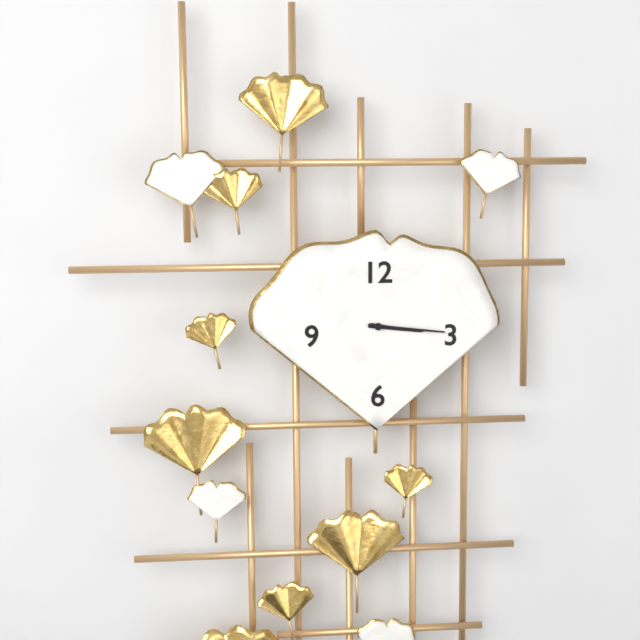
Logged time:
3,16
